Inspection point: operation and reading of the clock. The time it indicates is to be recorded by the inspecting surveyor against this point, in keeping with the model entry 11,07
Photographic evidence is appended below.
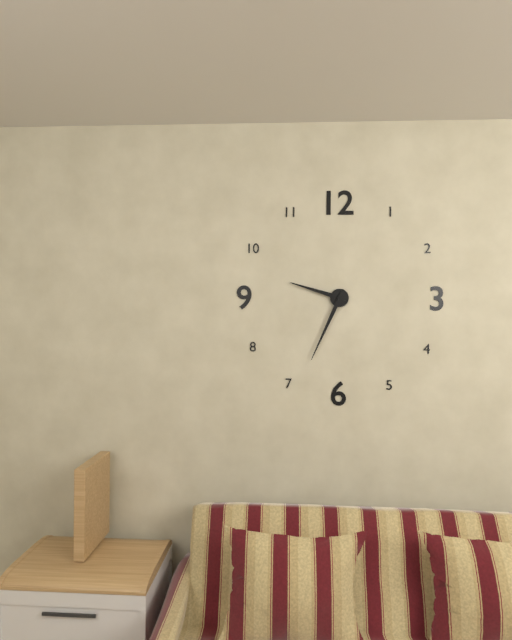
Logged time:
9,34
